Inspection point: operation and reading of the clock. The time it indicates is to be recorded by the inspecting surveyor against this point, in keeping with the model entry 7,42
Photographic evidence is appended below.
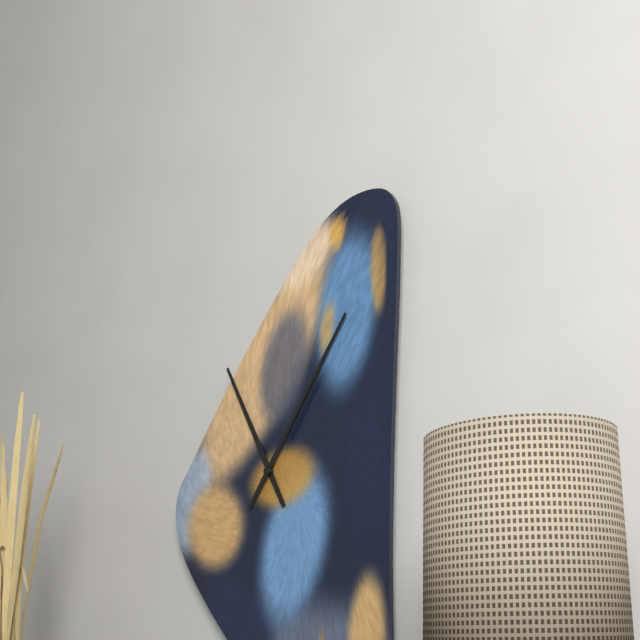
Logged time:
11,06
